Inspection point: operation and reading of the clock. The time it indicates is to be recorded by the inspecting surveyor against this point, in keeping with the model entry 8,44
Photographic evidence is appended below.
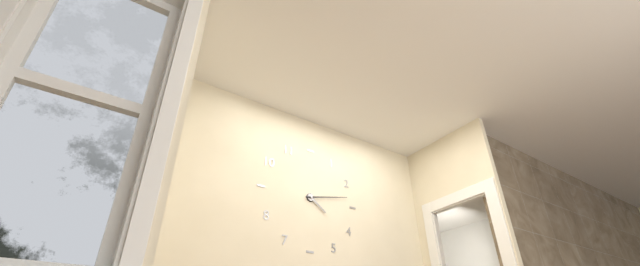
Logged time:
4,13
